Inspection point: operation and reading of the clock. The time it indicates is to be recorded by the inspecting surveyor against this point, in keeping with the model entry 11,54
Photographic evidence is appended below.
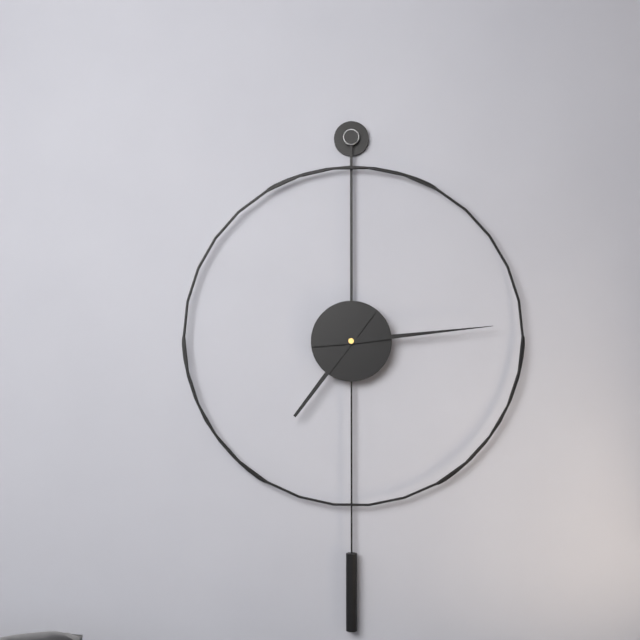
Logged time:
7,14
